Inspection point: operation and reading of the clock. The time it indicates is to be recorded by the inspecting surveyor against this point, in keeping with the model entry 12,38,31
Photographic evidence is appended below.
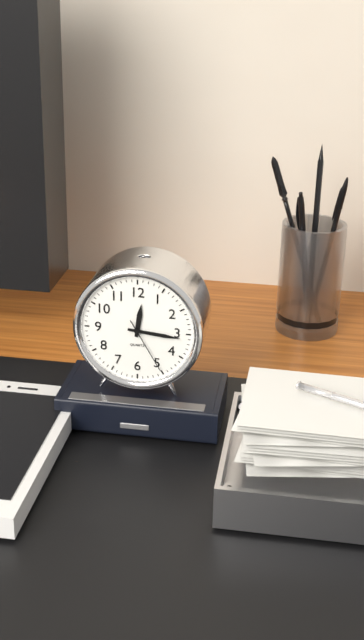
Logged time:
12,16,25
